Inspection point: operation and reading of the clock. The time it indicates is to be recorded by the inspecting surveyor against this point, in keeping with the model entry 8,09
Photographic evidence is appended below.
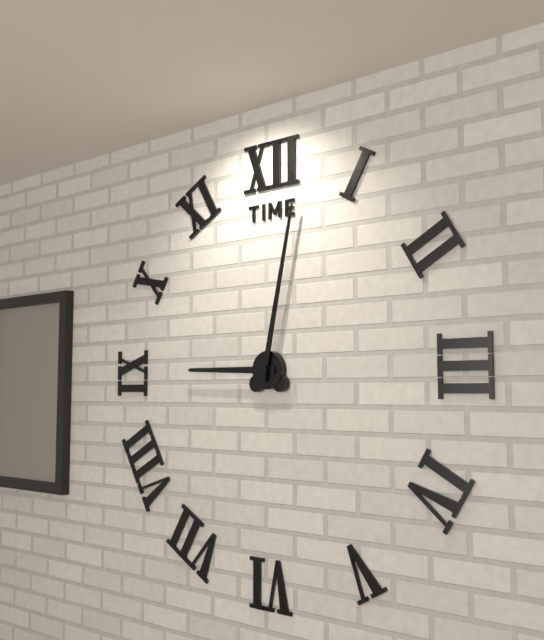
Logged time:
9,02
